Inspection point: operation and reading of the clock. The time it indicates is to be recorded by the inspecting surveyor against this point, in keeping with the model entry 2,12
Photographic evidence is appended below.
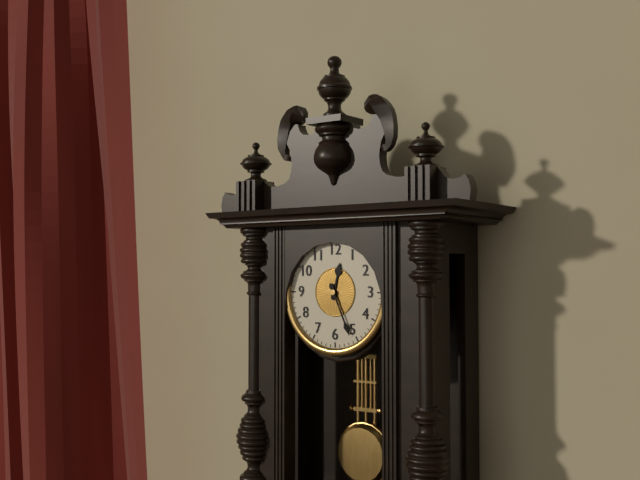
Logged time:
12,26
